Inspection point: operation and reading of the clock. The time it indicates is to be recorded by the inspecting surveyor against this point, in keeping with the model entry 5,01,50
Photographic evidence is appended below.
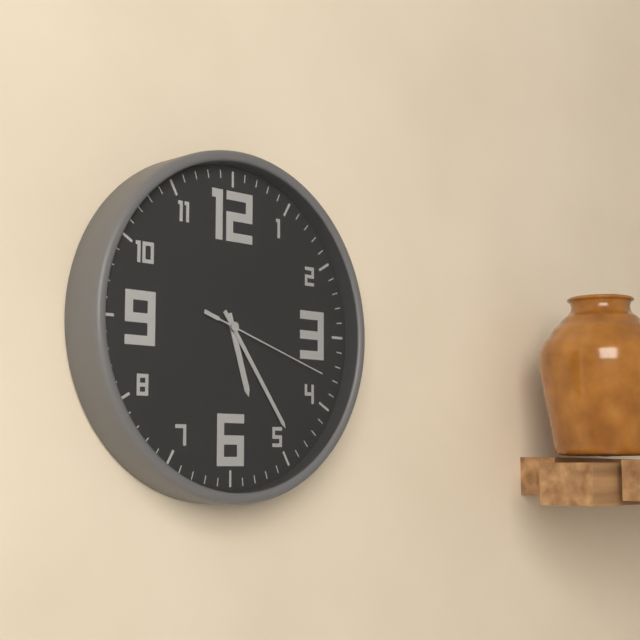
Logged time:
5,24,18
